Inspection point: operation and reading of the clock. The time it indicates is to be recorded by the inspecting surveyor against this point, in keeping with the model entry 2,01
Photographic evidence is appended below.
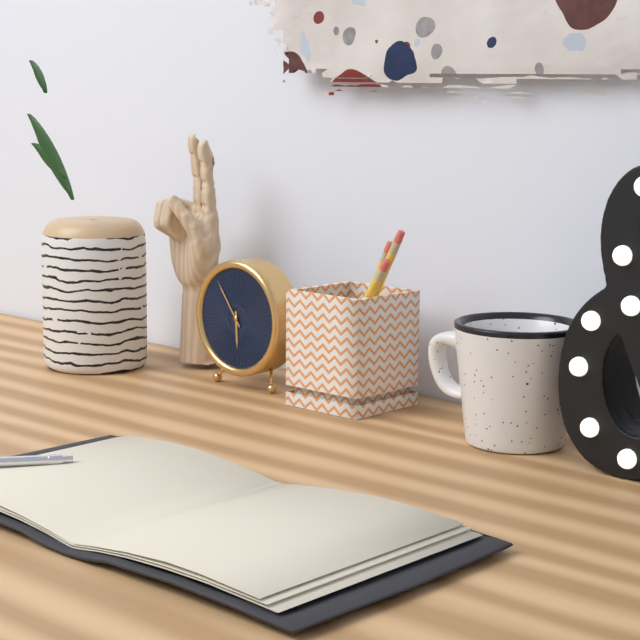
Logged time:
5,54
